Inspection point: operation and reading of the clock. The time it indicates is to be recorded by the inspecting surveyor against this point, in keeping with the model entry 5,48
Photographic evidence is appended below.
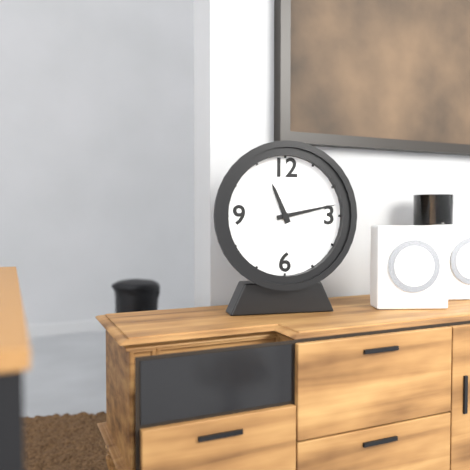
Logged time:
11,13
